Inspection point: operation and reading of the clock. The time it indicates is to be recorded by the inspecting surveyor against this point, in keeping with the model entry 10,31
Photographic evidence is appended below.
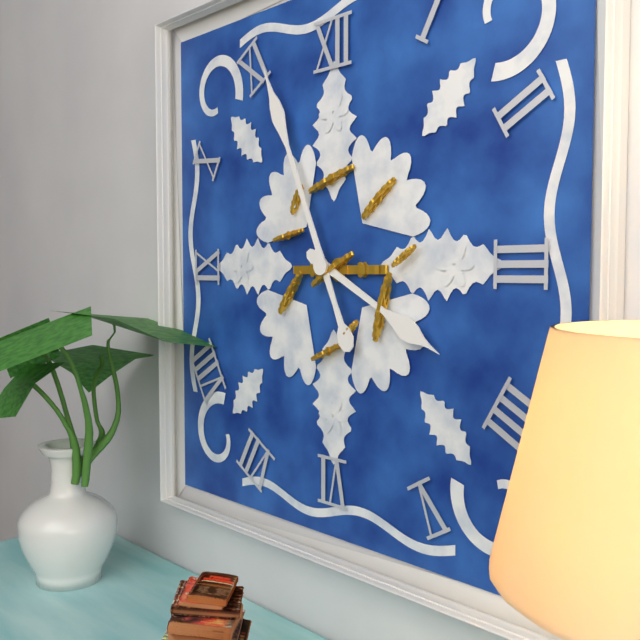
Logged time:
3,56
